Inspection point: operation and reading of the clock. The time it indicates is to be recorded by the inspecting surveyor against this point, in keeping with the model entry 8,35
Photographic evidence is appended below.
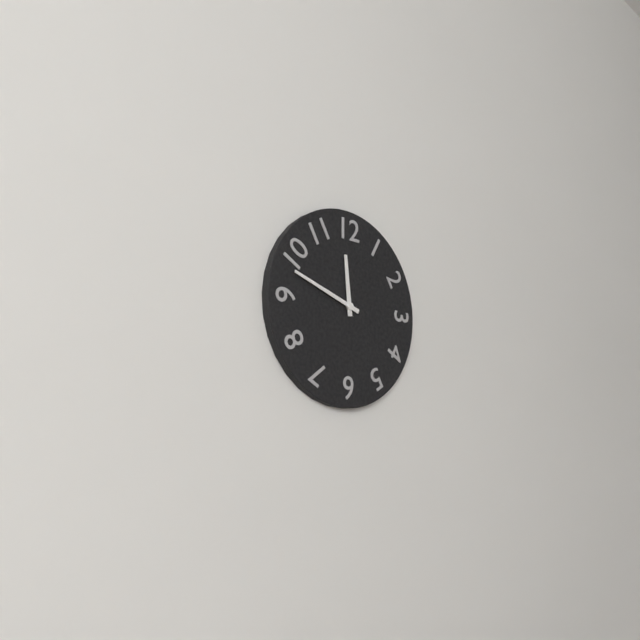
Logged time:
11,48
